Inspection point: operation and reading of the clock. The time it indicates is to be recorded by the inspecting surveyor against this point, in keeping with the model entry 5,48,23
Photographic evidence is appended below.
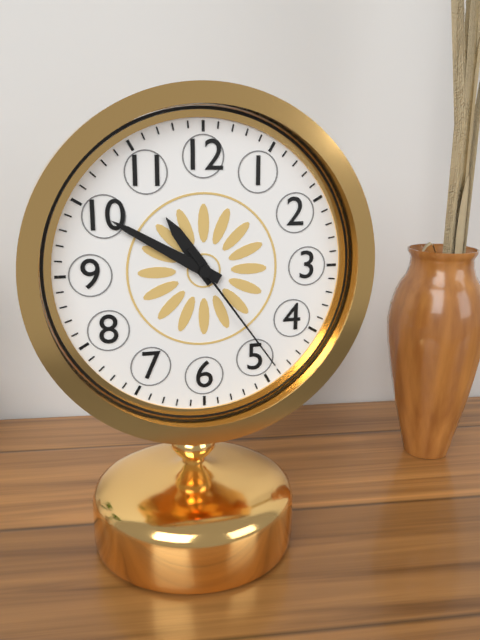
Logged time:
10,50,24
